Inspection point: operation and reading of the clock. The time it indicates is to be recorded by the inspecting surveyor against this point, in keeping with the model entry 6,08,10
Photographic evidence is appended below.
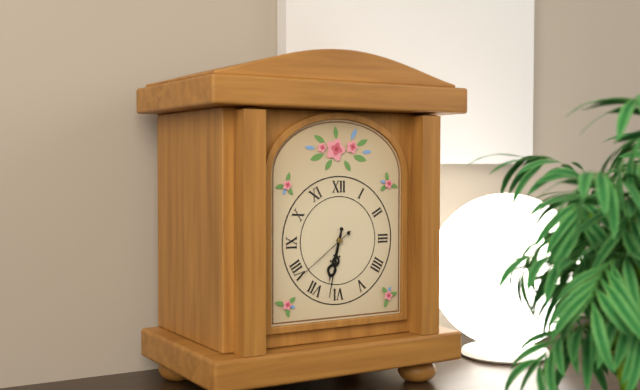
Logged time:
6,32,39
